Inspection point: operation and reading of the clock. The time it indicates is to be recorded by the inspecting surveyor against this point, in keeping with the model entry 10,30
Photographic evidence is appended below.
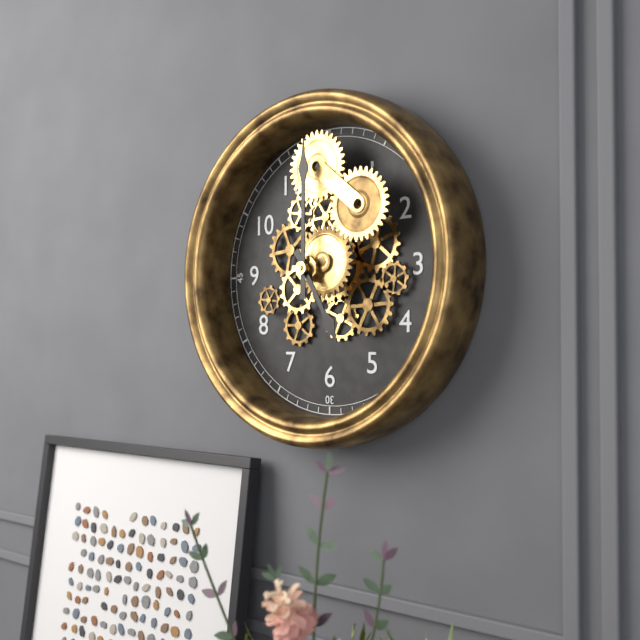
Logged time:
5,00
